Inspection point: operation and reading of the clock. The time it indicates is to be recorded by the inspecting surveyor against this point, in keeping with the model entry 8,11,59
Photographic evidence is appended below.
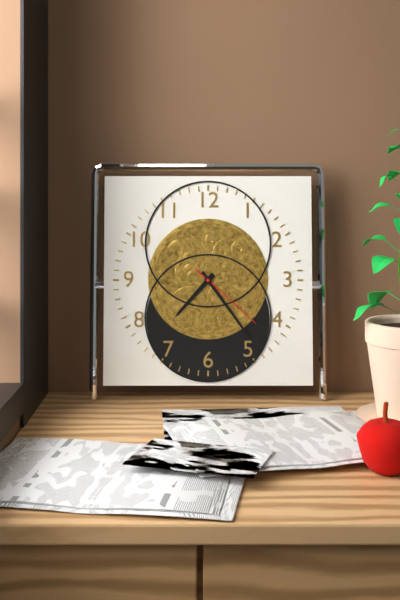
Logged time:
7,24,22
